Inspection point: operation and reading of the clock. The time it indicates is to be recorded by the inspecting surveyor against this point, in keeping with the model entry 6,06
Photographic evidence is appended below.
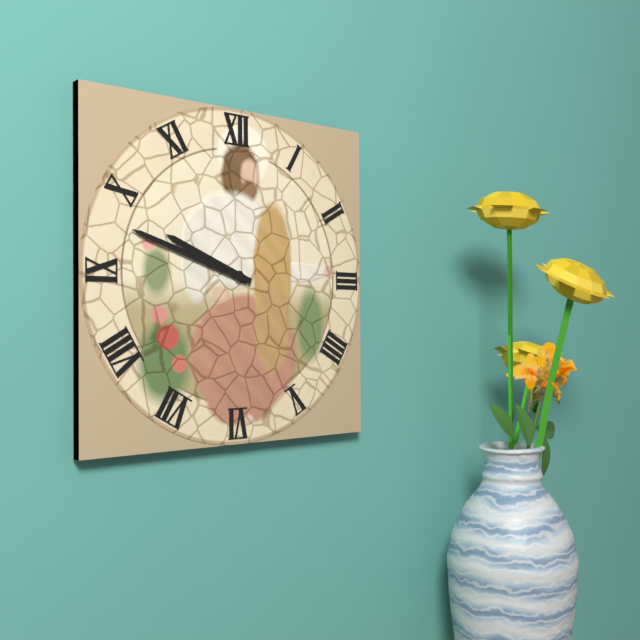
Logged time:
9,48
